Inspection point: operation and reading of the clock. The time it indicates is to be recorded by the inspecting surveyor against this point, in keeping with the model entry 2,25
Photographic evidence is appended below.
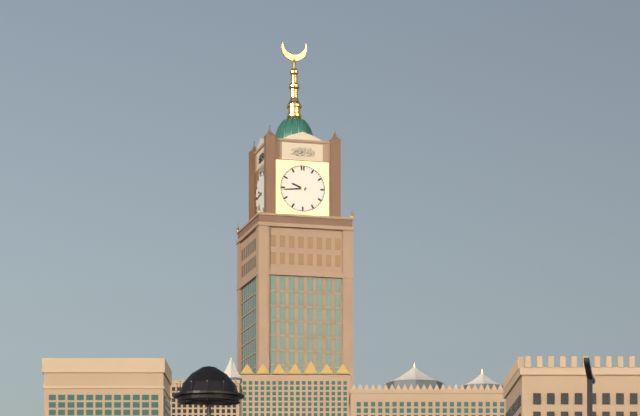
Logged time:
9,44
